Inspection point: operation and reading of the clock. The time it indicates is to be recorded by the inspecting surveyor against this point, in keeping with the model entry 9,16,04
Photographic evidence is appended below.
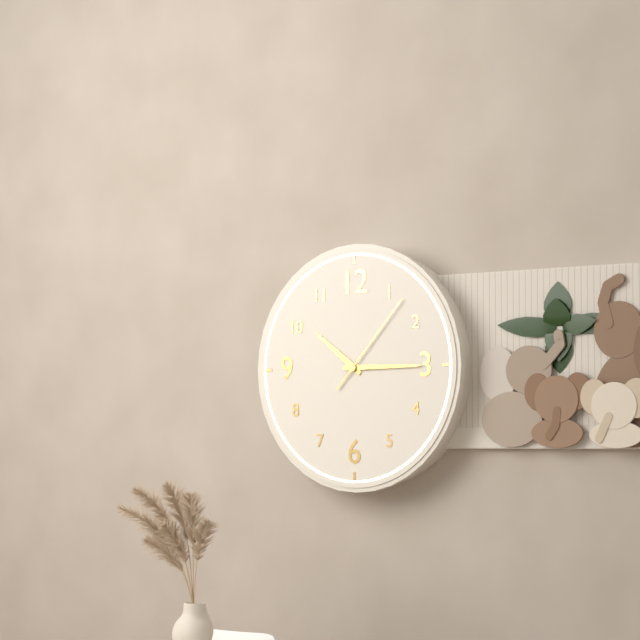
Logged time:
10,15,07
